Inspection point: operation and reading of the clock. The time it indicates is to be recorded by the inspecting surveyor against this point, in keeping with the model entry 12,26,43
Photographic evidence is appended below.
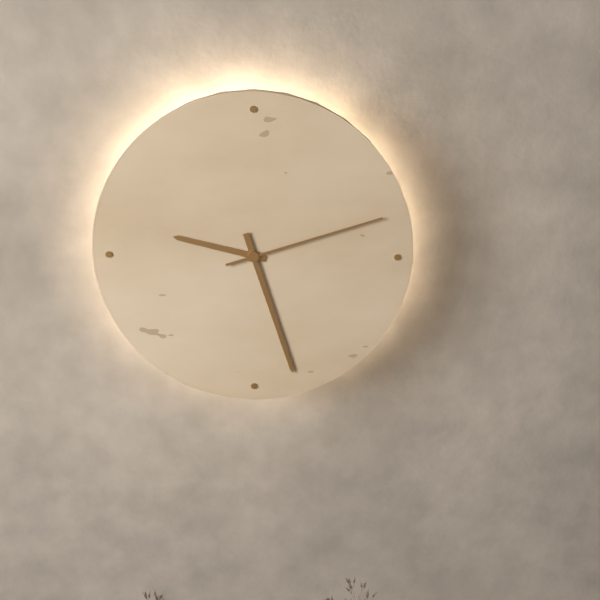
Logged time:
9,27,12
